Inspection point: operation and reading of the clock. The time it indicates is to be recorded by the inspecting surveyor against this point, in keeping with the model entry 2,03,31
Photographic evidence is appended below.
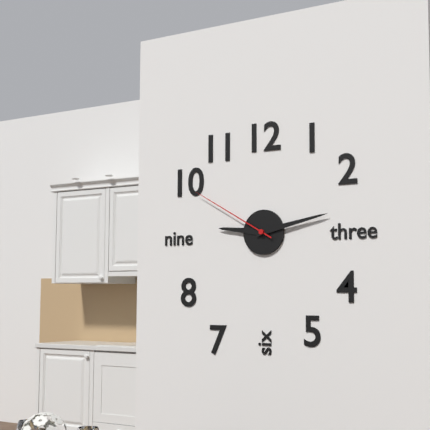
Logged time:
9,13,50
